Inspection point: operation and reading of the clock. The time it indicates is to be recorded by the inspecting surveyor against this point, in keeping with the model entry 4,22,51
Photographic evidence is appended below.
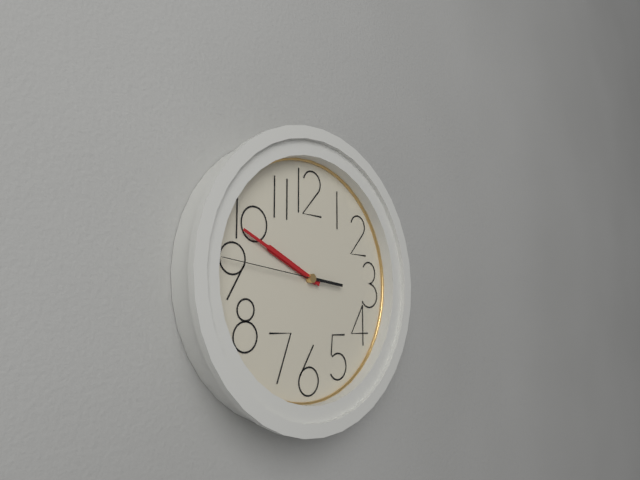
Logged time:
9,49,46
